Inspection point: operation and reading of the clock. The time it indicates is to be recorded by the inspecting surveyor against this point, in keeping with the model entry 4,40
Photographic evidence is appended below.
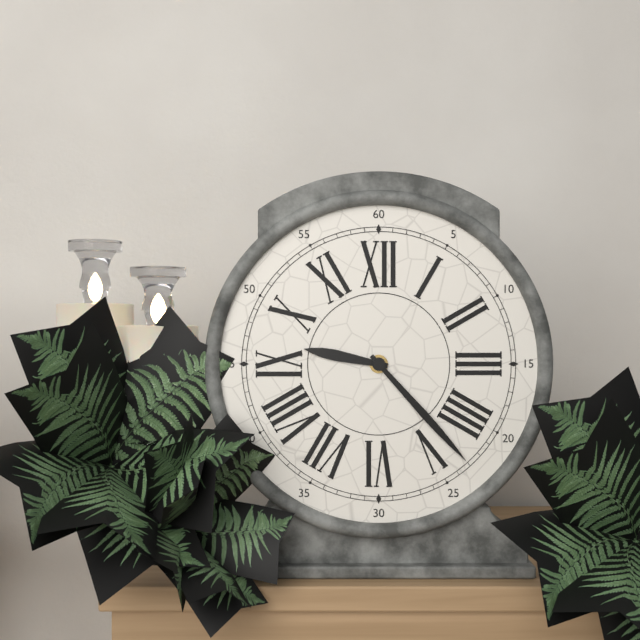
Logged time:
9,23
